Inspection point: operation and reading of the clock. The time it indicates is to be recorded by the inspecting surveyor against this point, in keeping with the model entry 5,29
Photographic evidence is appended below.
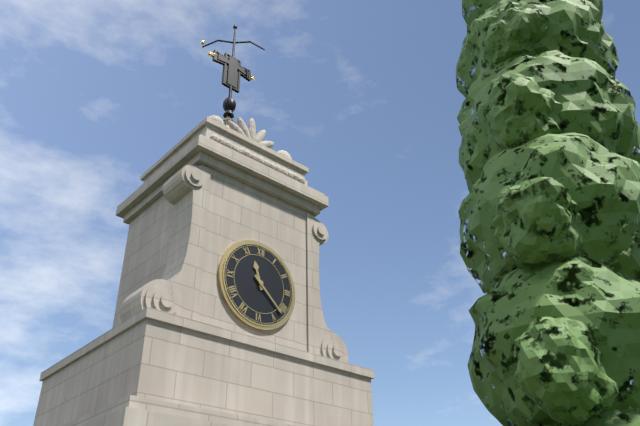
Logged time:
11,22
